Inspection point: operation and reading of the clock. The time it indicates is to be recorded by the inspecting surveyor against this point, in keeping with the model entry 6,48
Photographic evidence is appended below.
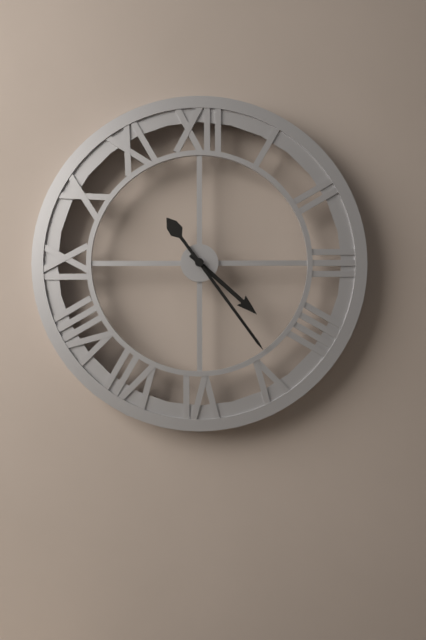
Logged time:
4,24
